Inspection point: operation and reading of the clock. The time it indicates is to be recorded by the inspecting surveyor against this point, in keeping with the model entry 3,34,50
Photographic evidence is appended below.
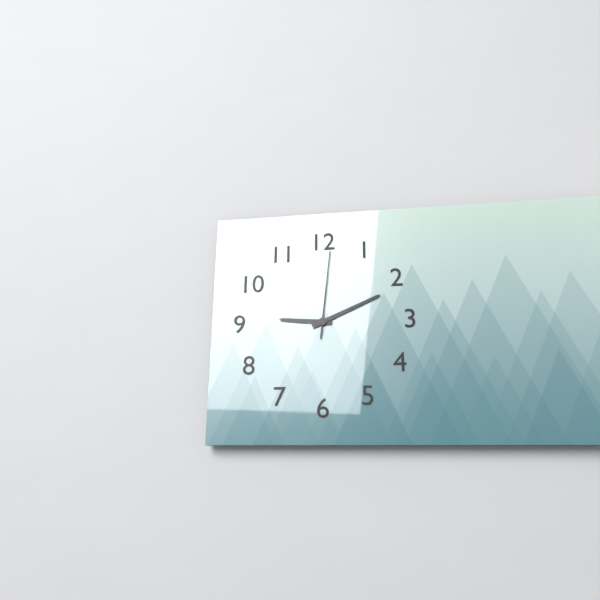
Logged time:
9,11,01
